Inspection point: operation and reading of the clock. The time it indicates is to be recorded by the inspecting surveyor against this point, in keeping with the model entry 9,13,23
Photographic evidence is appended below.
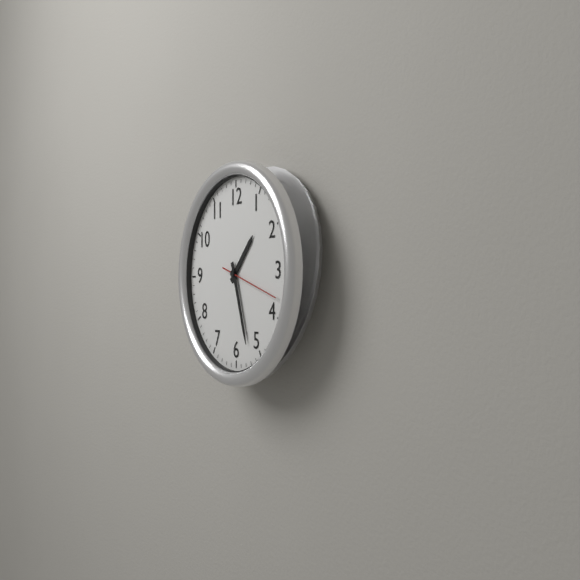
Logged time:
1,27,18
